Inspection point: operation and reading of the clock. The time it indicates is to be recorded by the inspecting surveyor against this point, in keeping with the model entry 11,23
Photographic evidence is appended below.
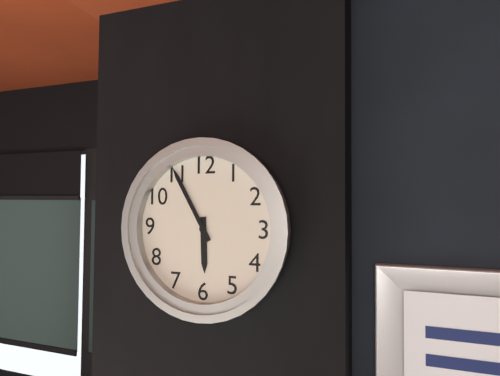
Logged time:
5,55
